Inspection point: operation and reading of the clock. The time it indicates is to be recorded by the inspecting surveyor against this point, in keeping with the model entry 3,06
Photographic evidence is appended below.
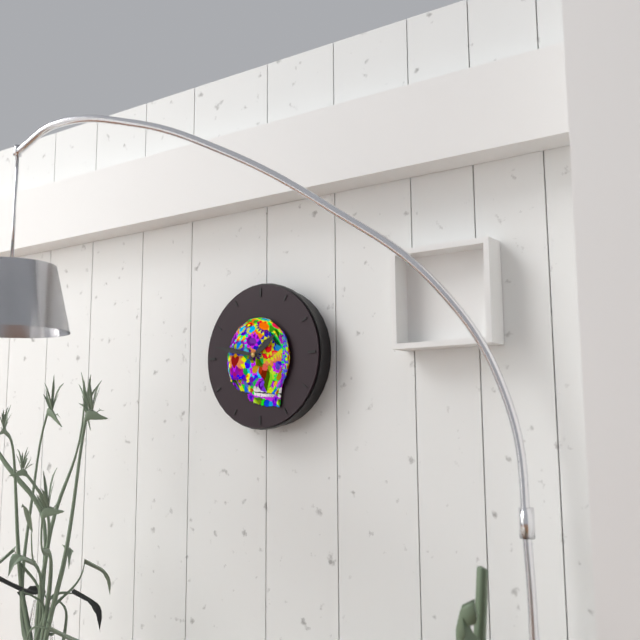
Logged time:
1,47
